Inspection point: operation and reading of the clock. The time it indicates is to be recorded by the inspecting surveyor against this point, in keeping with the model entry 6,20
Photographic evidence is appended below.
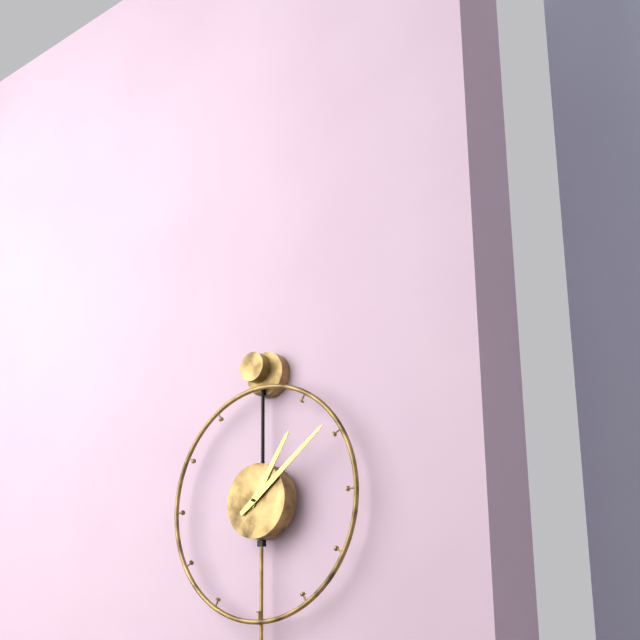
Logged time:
1,09
